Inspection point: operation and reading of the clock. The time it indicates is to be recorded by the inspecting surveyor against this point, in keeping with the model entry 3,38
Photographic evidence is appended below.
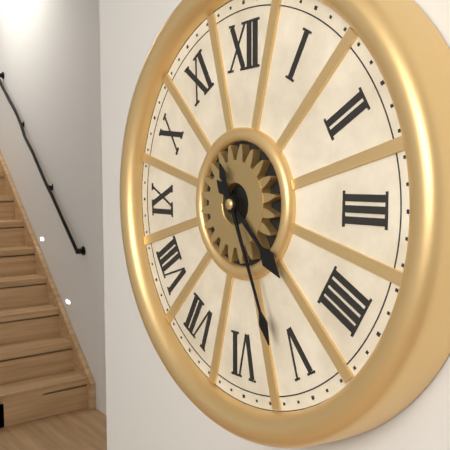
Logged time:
4,26
